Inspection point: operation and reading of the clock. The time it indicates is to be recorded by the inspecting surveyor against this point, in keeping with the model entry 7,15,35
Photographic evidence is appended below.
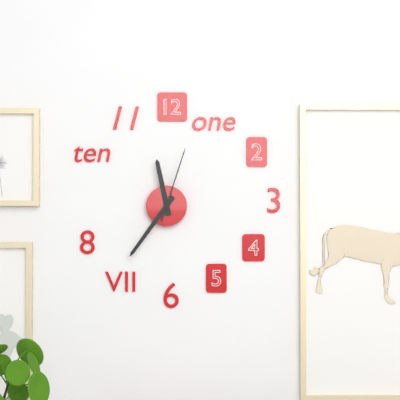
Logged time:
11,36,03
